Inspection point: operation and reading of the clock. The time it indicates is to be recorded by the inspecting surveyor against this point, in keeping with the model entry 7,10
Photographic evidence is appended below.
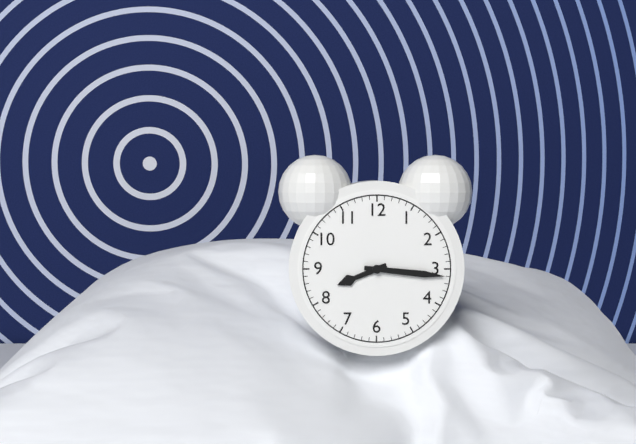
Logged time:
8,16
